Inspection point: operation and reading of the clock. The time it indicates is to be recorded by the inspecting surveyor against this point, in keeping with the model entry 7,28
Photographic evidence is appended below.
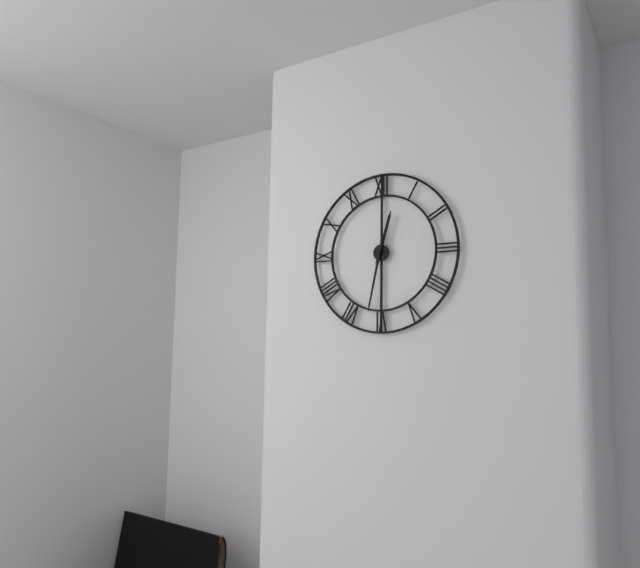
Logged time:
12,32
